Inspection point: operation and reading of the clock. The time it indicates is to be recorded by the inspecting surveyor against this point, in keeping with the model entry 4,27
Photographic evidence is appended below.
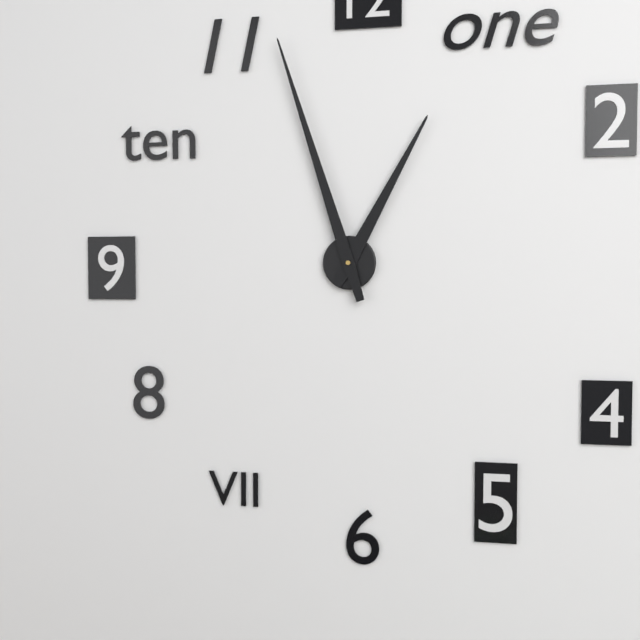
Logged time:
12,57
